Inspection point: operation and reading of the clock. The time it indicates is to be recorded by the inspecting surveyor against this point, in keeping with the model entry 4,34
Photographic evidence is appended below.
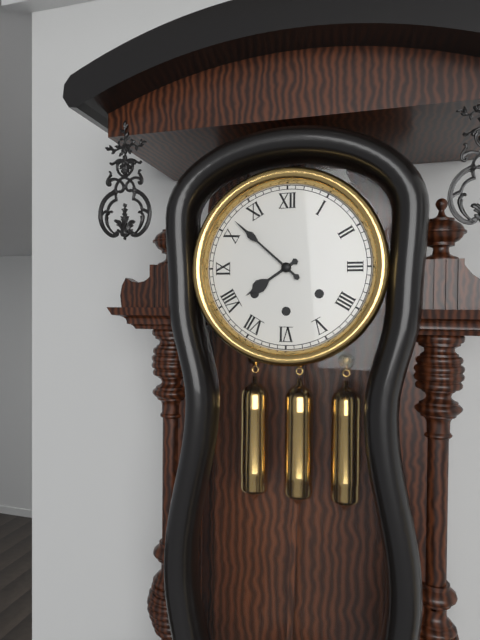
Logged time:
7,52
